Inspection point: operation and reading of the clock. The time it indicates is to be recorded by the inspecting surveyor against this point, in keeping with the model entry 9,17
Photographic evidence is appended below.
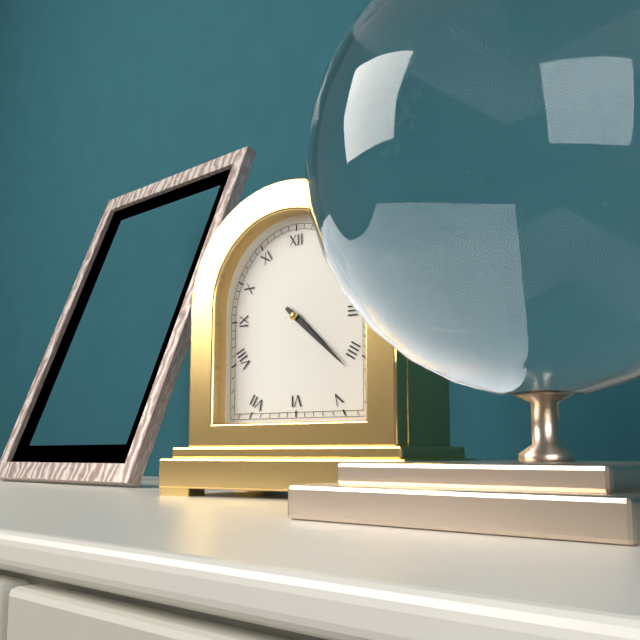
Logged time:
4,22
